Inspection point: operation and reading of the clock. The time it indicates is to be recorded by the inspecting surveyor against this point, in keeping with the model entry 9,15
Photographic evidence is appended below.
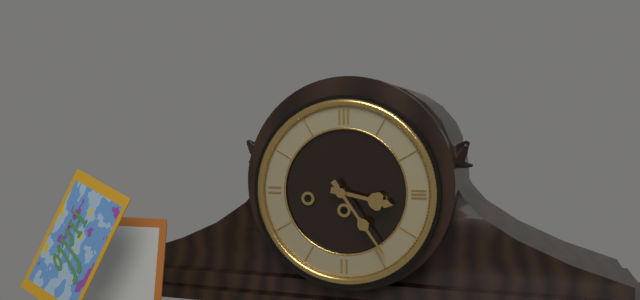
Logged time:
3,24
